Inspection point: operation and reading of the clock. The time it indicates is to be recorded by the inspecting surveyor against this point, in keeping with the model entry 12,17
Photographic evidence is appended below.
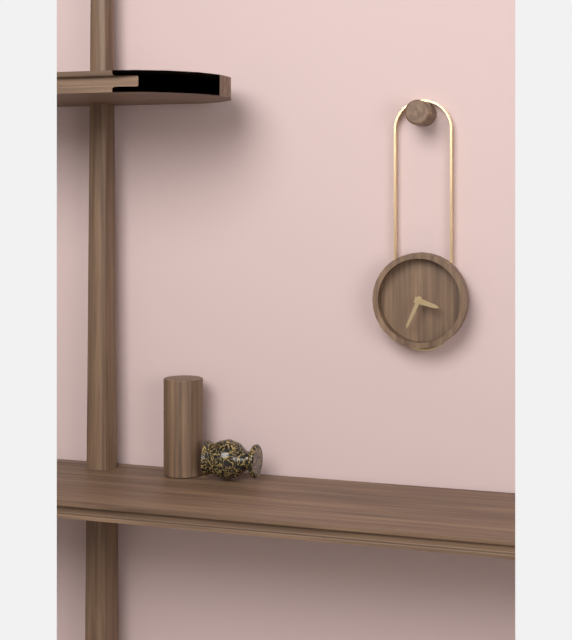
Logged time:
3,34
